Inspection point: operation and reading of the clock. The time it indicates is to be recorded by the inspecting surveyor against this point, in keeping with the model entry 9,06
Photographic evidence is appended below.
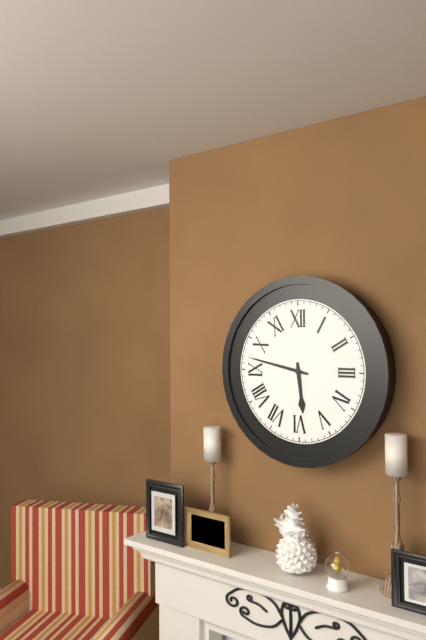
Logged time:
5,47
